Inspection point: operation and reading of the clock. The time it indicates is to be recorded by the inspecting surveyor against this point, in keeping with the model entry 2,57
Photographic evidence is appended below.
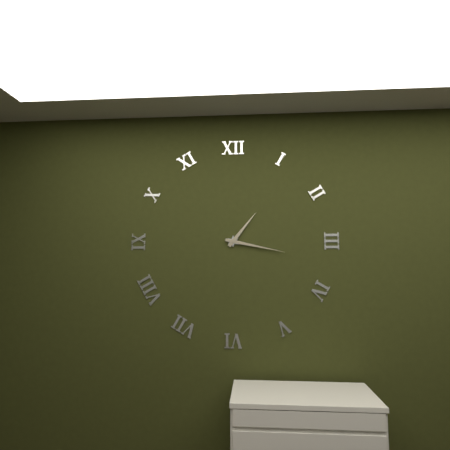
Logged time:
1,17
